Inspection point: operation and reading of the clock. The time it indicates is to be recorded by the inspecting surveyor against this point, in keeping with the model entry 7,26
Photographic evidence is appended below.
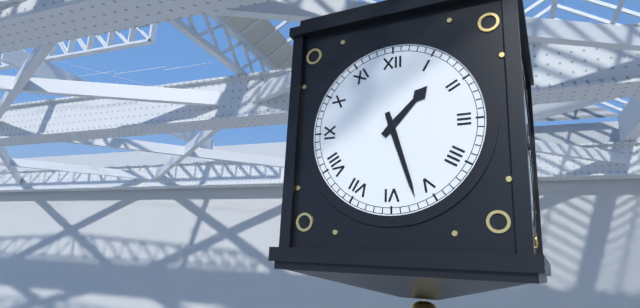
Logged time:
1,27
